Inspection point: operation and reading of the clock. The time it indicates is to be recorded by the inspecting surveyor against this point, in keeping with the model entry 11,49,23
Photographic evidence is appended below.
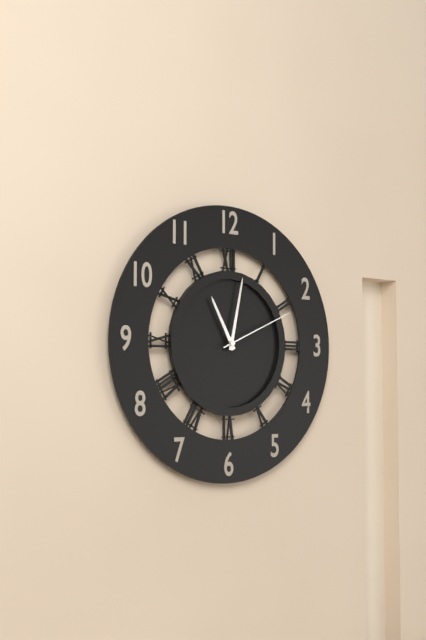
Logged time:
11,02,11
